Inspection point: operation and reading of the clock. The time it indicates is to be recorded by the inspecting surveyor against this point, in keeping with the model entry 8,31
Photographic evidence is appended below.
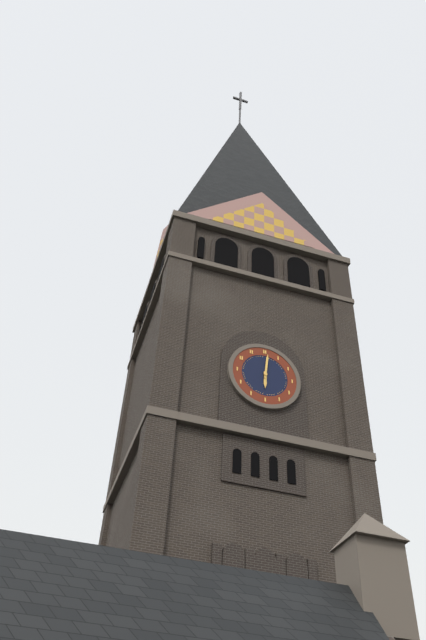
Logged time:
6,01
